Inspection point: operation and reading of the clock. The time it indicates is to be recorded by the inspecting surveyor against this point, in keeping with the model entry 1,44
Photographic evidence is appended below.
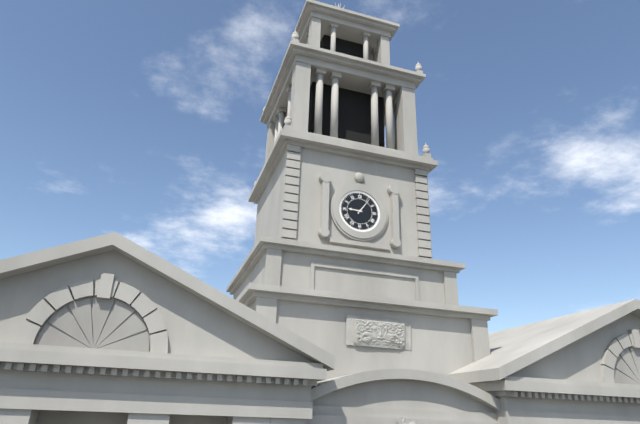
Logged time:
9,06
